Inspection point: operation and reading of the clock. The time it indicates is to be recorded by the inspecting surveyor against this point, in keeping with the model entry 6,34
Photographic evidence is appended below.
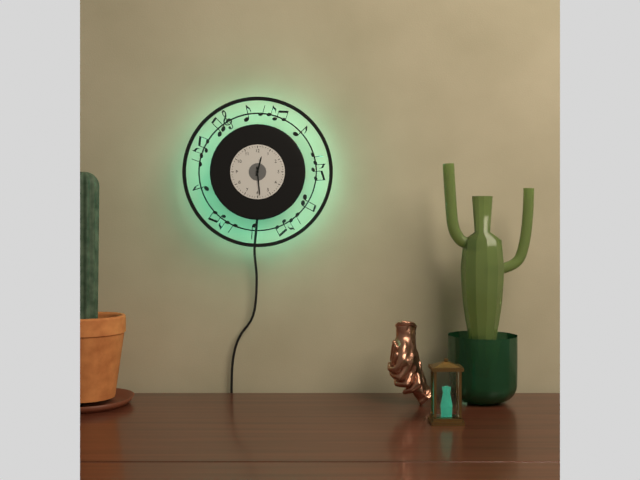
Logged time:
12,29
